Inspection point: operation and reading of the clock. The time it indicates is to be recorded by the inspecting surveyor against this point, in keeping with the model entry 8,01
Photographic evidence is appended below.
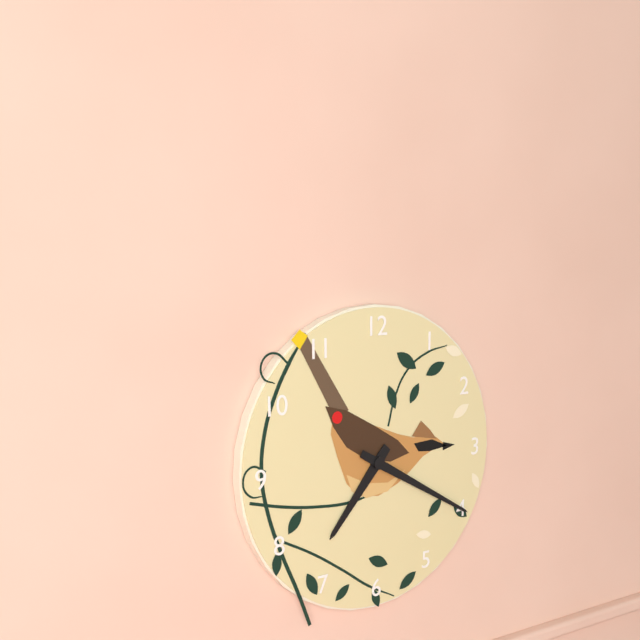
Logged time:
7,20
